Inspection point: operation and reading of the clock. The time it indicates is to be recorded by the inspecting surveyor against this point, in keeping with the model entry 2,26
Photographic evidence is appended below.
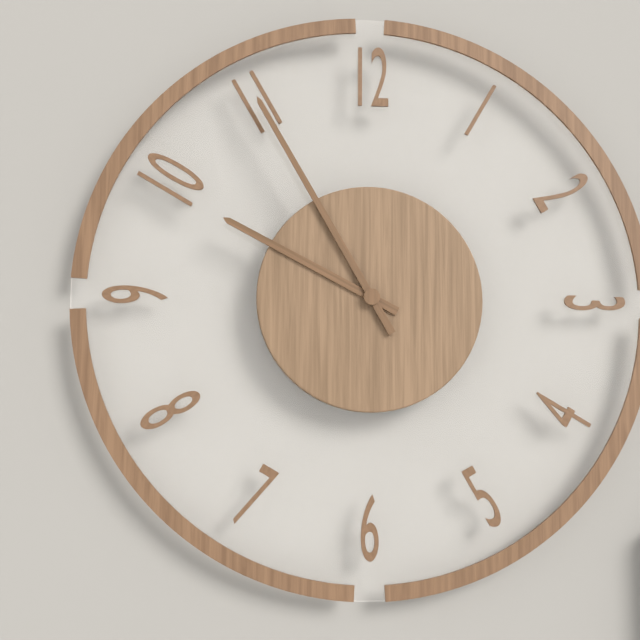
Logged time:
9,55
